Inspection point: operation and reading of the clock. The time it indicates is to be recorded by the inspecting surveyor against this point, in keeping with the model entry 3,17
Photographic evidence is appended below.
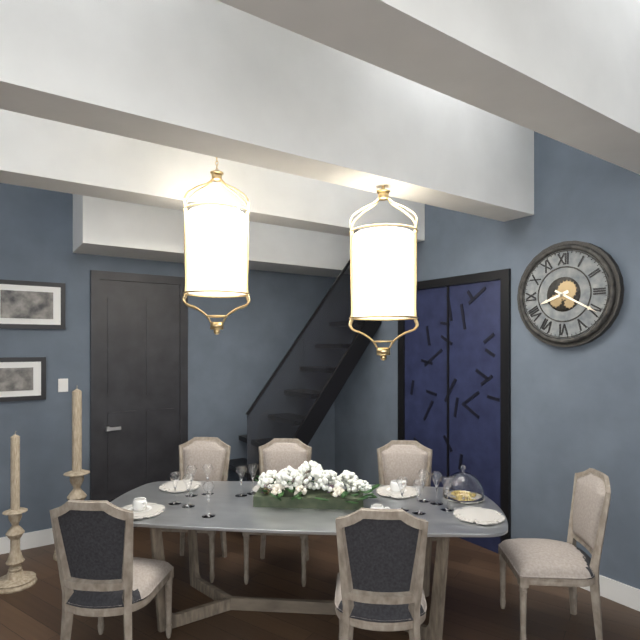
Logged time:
8,20
